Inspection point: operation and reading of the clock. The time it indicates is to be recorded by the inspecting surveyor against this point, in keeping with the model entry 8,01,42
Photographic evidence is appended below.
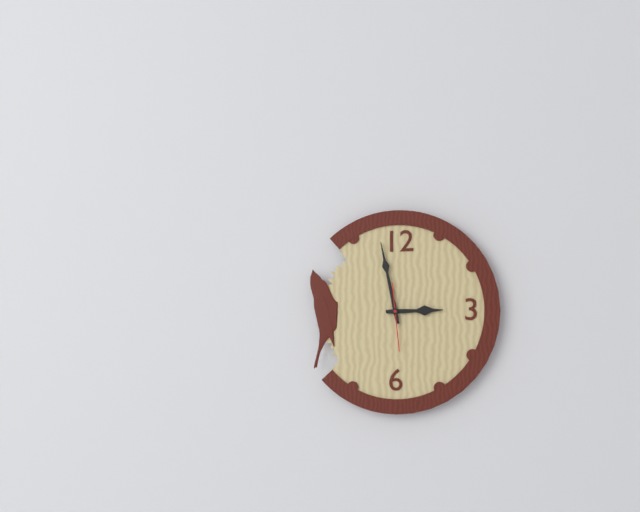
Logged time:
2,58,29
